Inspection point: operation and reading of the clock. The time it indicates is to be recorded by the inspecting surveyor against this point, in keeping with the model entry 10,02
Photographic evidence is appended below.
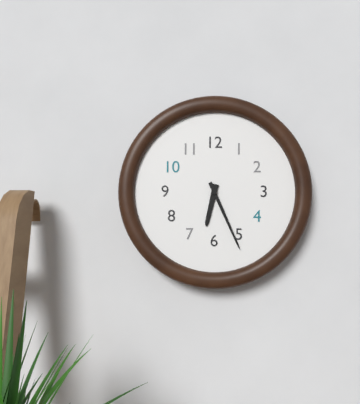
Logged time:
6,26
